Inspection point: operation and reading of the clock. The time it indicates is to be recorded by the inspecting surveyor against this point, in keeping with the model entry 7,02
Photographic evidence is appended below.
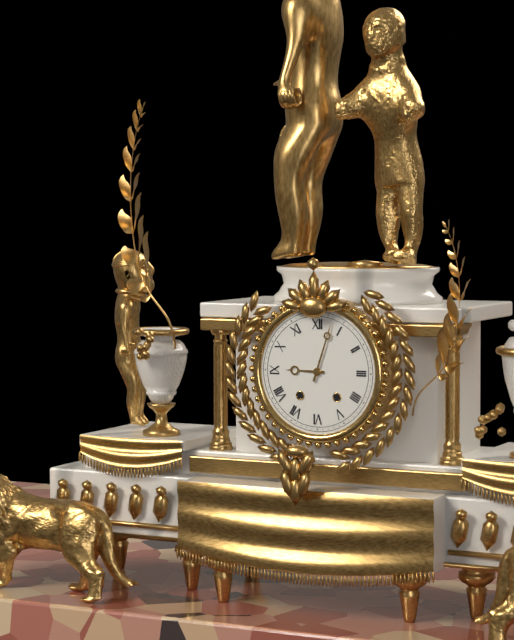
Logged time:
9,03
